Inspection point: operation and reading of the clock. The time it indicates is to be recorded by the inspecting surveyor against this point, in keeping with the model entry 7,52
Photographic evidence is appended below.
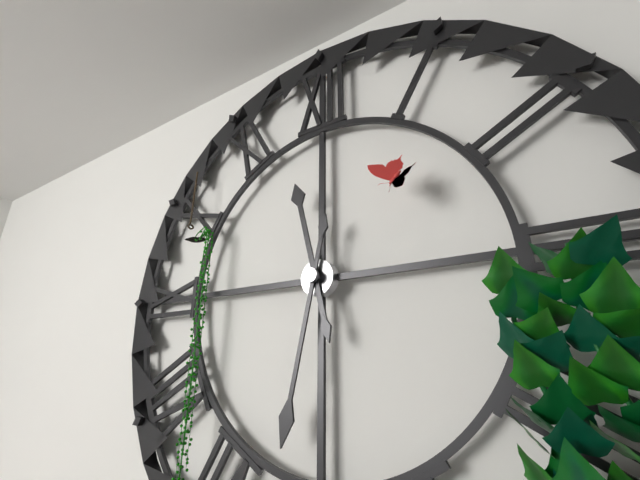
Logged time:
11,32
